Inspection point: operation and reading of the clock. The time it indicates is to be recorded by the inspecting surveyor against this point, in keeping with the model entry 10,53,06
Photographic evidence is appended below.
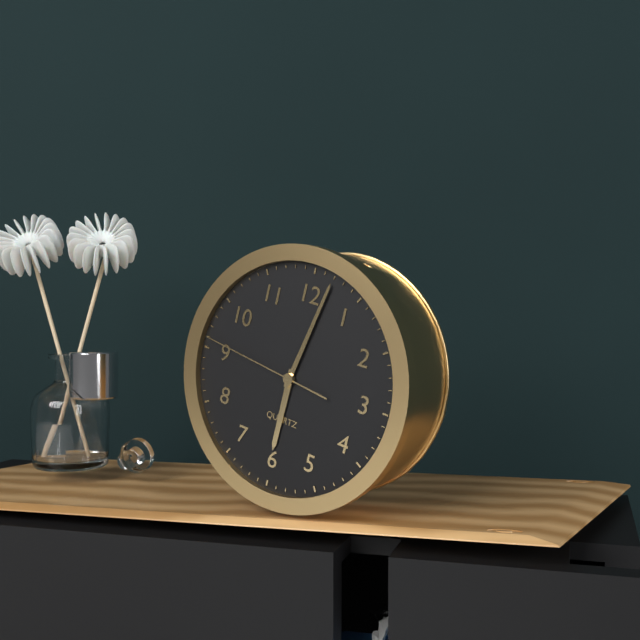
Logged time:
6,02,46
